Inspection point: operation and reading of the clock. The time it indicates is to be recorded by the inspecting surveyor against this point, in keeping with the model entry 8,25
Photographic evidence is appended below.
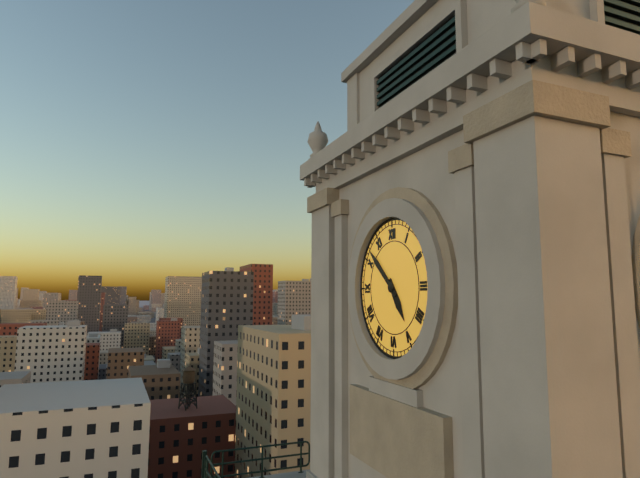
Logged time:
4,52
